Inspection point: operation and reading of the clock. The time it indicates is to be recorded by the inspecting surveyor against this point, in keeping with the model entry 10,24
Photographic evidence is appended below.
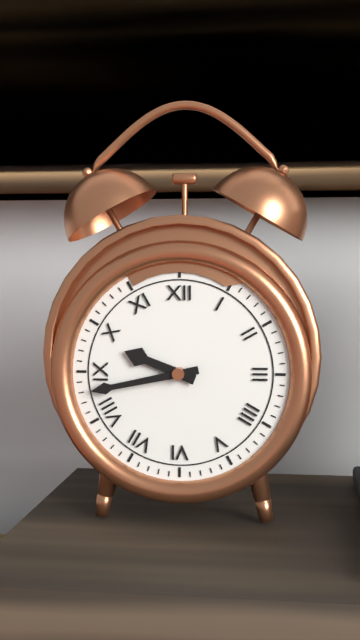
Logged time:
9,43
